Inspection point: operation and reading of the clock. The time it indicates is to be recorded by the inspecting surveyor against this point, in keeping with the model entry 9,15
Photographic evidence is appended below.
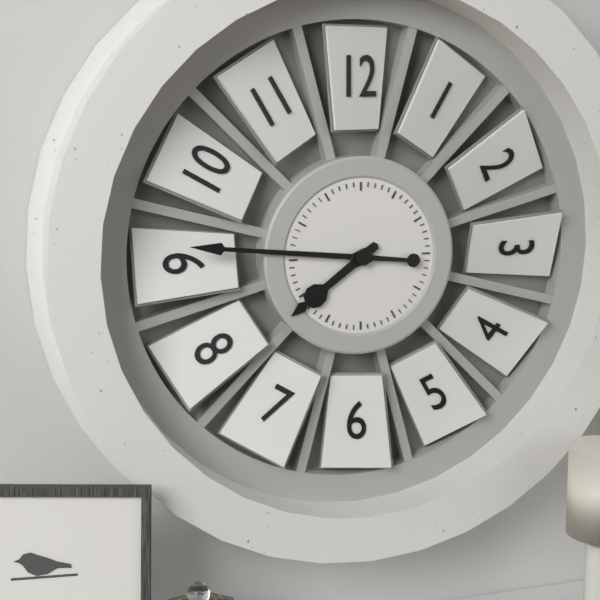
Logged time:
7,46
